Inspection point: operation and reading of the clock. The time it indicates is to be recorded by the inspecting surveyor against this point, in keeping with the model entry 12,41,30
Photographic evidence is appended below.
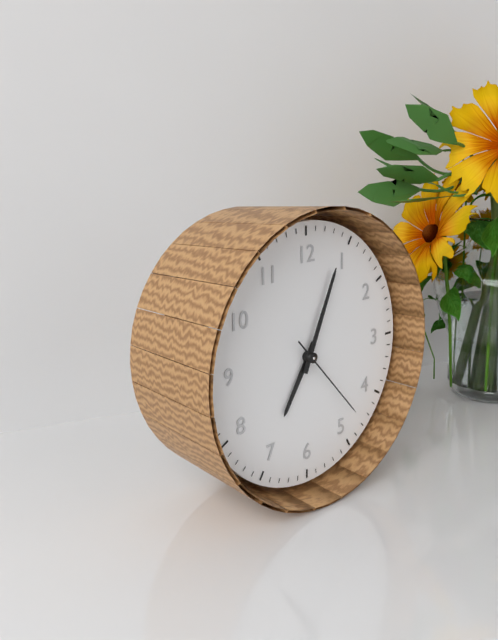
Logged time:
7,04,23
